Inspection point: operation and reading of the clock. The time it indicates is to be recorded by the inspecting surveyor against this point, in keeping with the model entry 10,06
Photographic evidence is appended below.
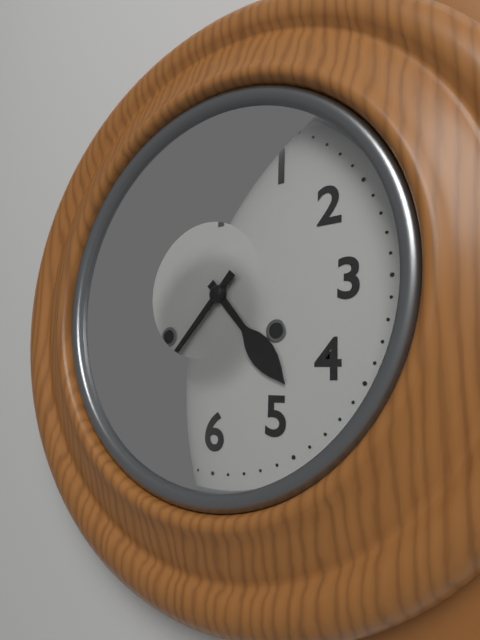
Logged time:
4,37
